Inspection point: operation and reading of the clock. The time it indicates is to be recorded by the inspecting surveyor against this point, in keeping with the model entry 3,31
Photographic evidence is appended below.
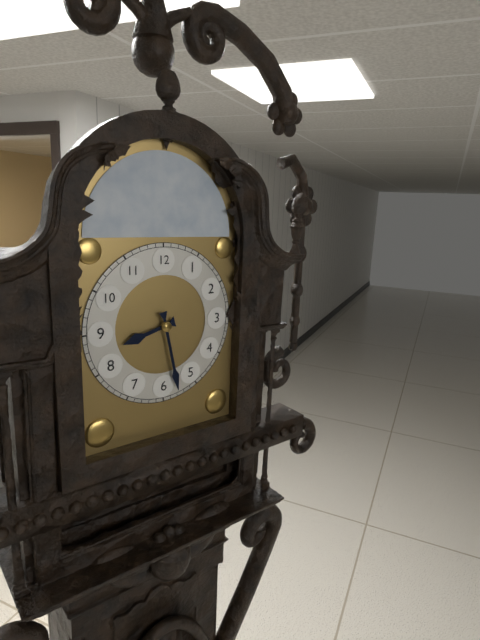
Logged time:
8,28
